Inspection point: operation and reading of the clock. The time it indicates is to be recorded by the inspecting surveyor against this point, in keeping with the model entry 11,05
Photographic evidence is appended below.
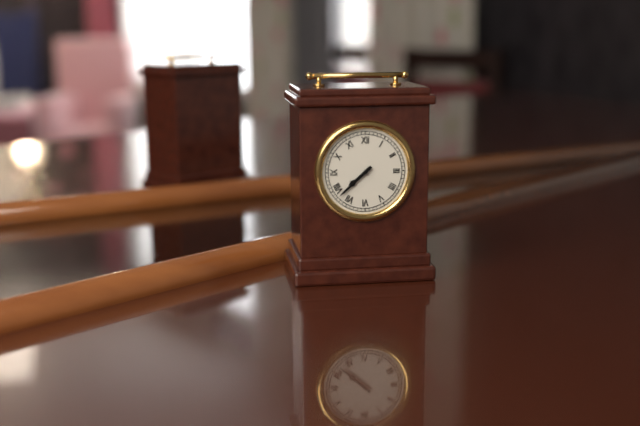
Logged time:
7,38
